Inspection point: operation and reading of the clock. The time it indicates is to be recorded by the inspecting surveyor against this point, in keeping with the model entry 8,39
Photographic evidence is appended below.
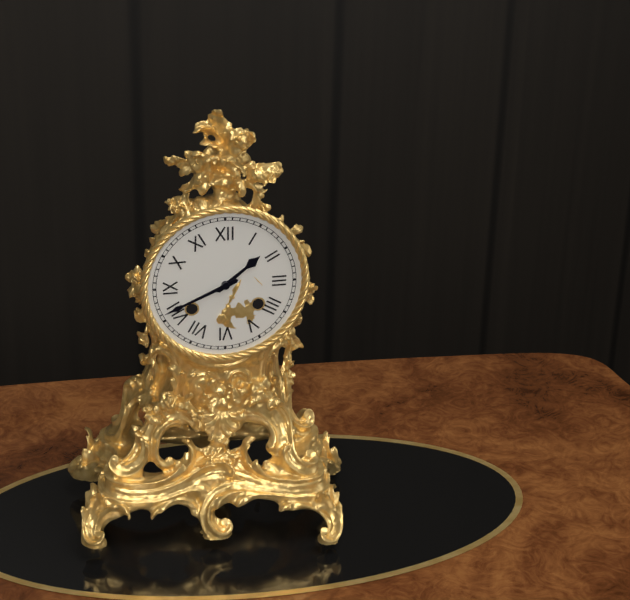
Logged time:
1,41
